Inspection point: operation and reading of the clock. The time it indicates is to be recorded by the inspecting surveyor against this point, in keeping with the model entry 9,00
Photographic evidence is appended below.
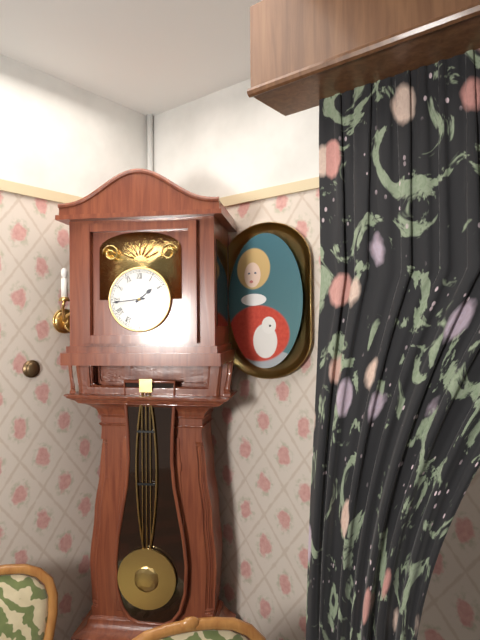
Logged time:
1,44
